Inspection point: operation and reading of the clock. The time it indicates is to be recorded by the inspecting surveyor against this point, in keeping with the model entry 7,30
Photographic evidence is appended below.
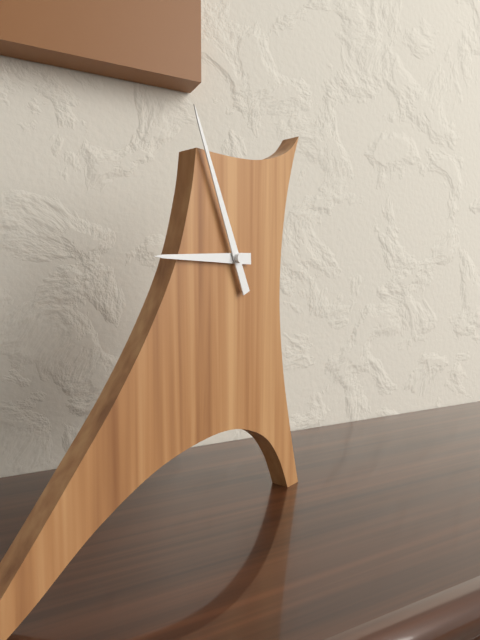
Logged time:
8,56
